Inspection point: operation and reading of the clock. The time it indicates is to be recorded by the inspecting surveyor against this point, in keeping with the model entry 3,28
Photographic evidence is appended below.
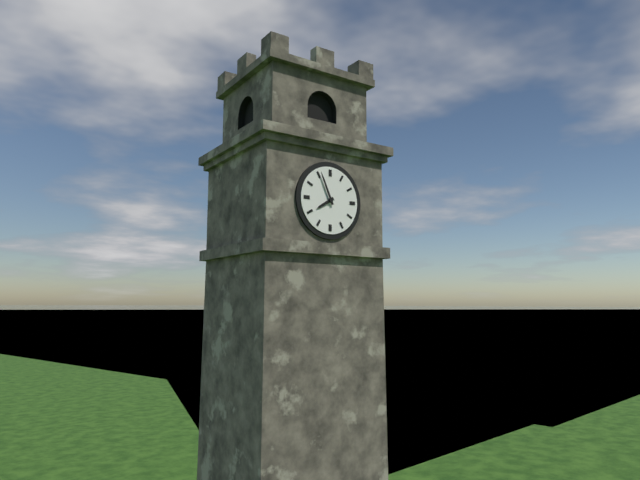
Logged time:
7,56
